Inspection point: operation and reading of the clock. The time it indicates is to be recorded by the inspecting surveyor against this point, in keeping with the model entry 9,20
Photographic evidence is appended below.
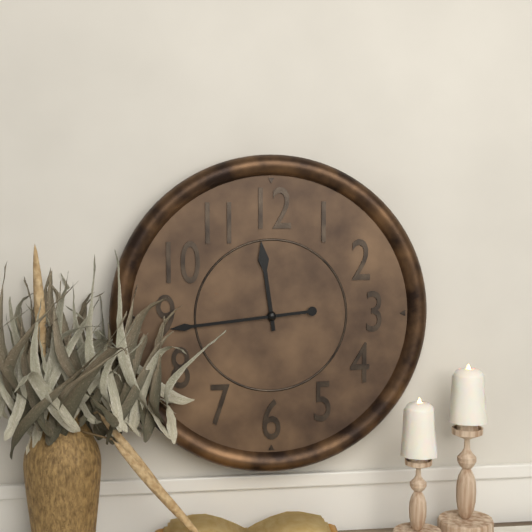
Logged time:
11,44
